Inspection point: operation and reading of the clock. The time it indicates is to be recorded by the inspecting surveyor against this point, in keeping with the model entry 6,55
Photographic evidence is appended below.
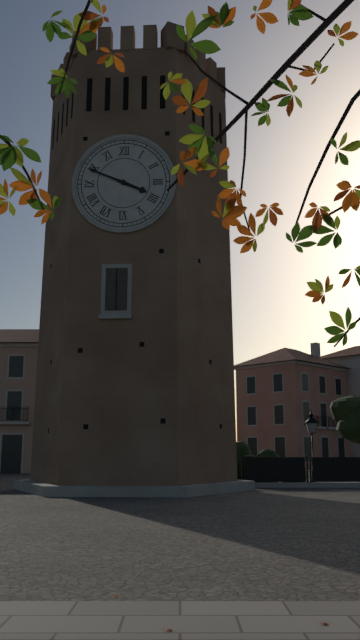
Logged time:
3,49
